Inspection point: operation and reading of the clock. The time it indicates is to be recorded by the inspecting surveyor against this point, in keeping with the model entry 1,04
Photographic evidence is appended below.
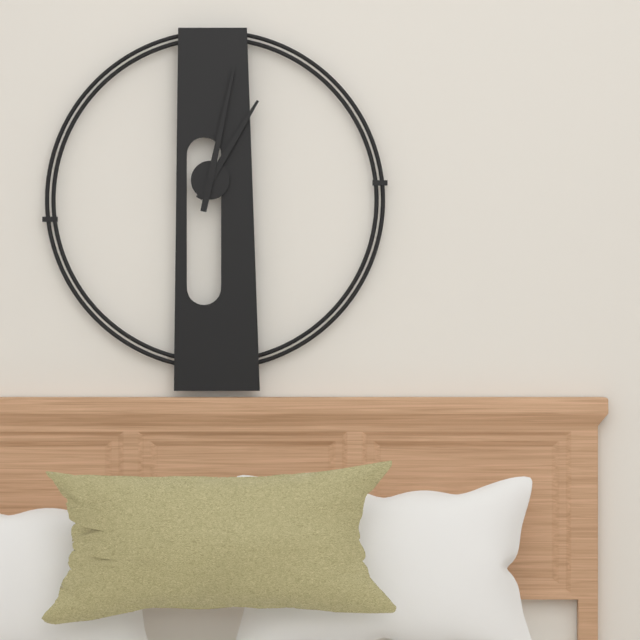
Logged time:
1,02
